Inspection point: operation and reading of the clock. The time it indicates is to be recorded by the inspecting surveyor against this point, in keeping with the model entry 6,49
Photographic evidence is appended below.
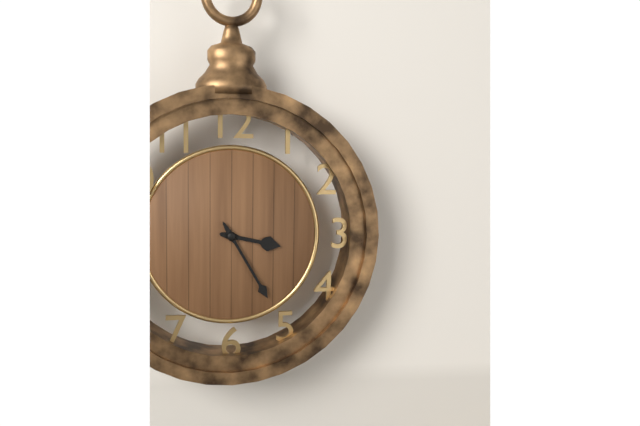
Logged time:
3,25
